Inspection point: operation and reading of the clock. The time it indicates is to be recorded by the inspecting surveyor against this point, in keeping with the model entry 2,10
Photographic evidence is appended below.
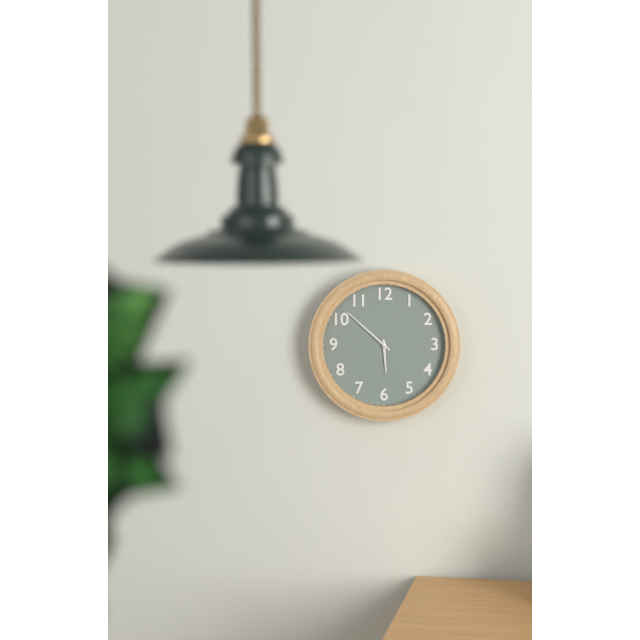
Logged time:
5,52
